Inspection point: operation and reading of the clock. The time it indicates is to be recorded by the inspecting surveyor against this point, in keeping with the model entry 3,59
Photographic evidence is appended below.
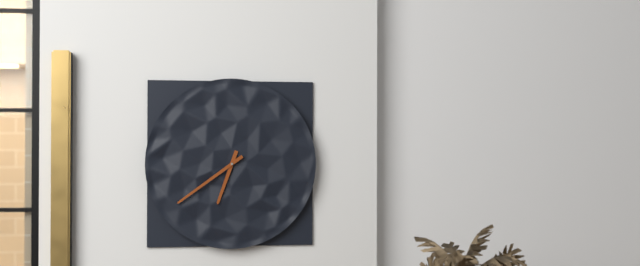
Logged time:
6,39
